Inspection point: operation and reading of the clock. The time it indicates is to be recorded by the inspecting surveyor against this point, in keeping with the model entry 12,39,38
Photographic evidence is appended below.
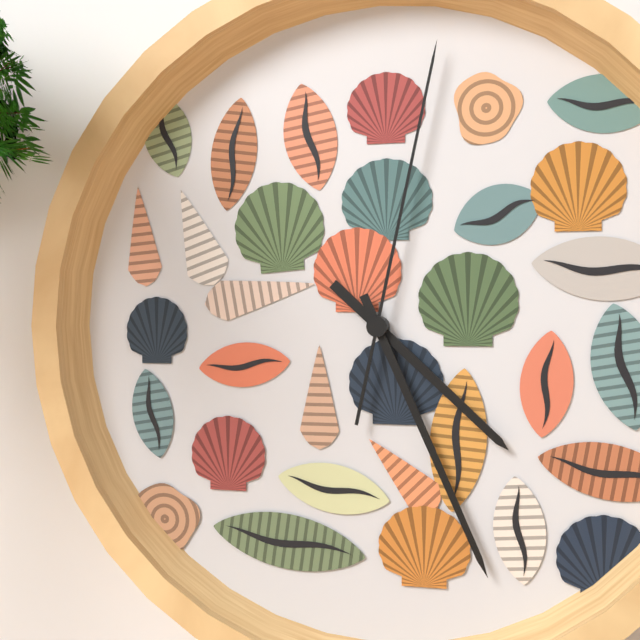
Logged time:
4,26,02
